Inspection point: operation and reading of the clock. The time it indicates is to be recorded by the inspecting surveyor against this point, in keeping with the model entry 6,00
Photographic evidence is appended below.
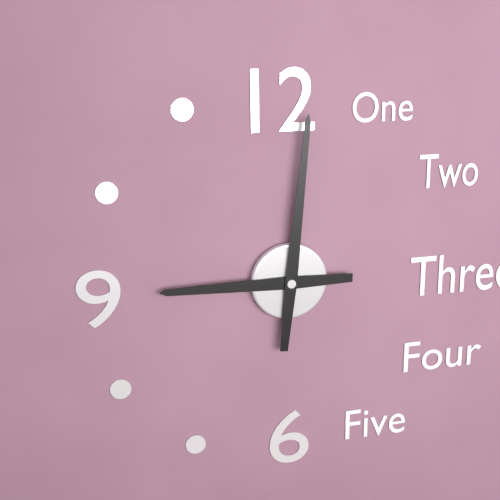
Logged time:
9,01
